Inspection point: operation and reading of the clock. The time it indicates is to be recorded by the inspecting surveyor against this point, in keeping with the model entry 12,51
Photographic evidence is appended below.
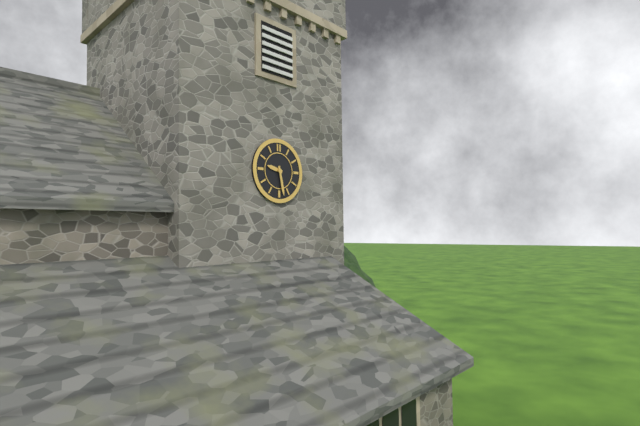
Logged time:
9,28
